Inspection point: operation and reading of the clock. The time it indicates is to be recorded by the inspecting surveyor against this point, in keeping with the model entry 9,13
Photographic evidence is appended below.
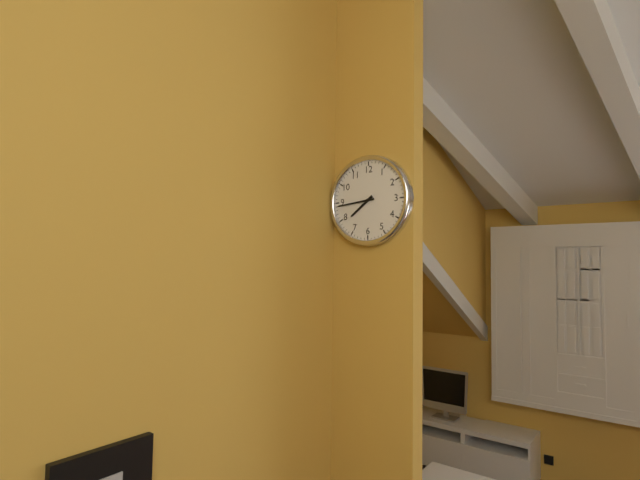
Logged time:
7,44
